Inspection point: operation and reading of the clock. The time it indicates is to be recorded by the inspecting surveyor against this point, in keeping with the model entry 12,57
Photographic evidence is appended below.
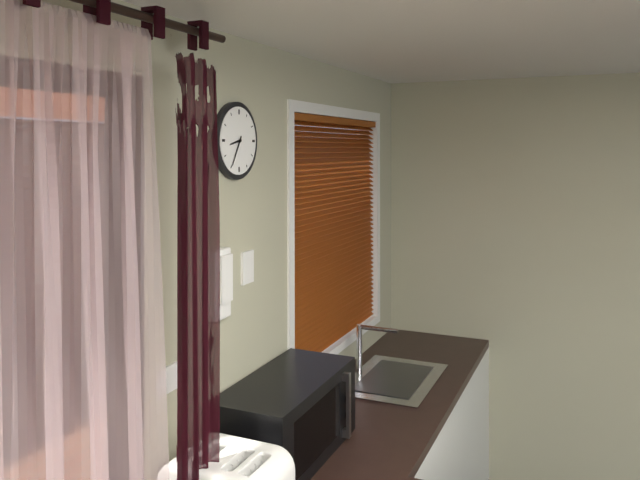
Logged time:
8,35
